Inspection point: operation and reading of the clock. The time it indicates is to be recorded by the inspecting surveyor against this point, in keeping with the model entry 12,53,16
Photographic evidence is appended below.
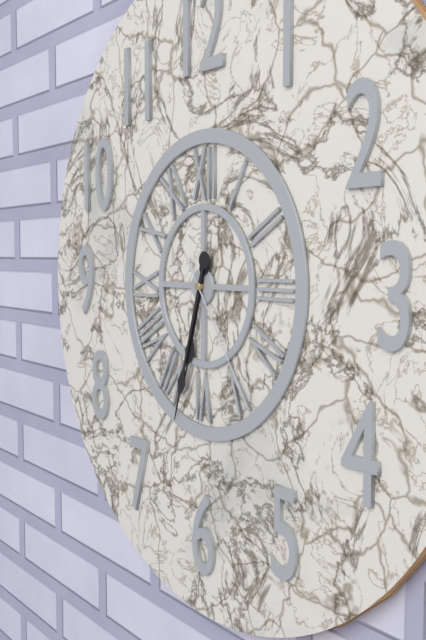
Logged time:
6,33,24
